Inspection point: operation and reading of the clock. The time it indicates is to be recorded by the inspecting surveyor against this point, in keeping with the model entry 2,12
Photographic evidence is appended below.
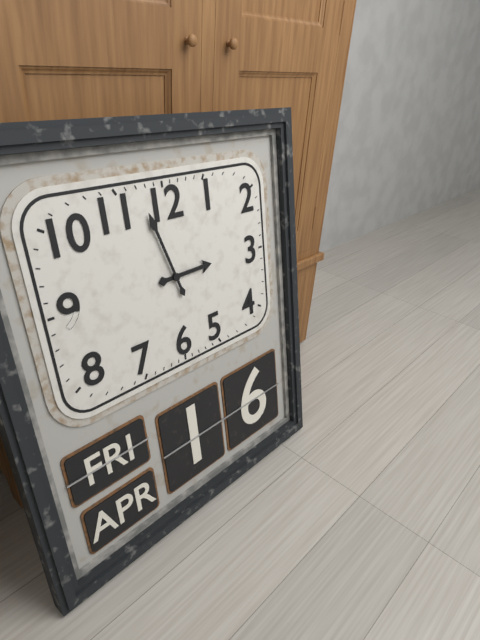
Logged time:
2,57
